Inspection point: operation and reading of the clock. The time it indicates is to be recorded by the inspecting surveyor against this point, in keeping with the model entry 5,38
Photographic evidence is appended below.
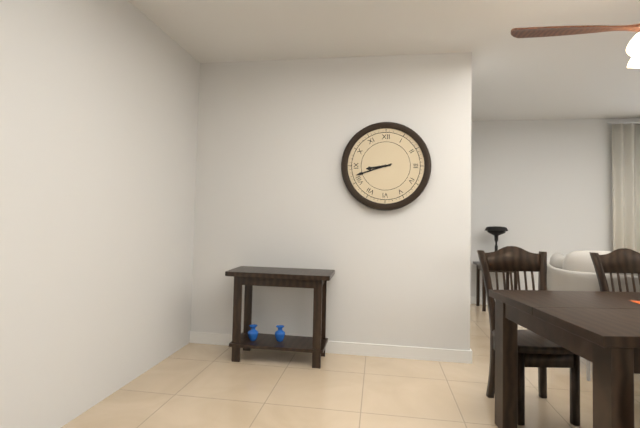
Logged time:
8,42
